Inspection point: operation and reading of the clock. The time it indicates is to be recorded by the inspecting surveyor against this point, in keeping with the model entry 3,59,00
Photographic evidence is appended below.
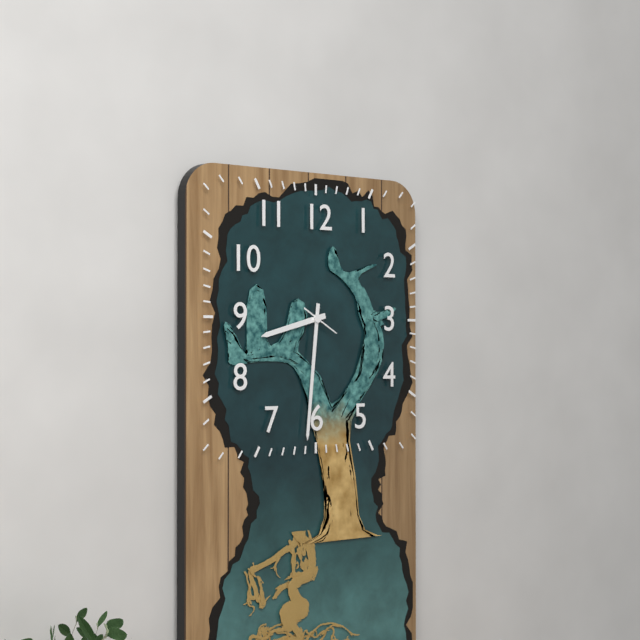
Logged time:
8,31,20
